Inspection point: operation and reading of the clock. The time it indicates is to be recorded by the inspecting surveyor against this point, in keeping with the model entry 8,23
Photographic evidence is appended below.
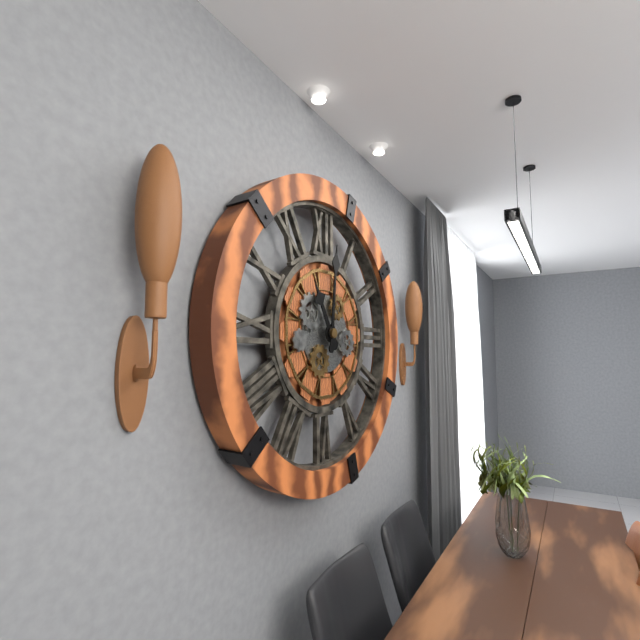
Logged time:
11,01
